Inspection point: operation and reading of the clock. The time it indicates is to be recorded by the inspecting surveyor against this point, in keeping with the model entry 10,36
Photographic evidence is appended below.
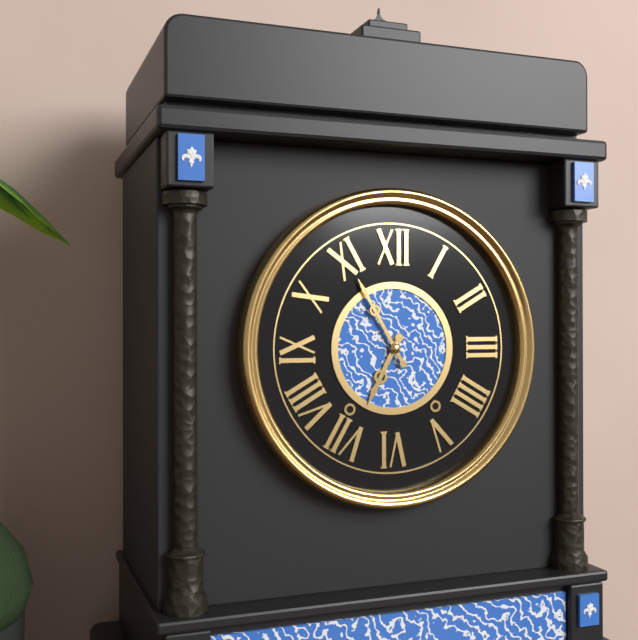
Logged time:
6,55
